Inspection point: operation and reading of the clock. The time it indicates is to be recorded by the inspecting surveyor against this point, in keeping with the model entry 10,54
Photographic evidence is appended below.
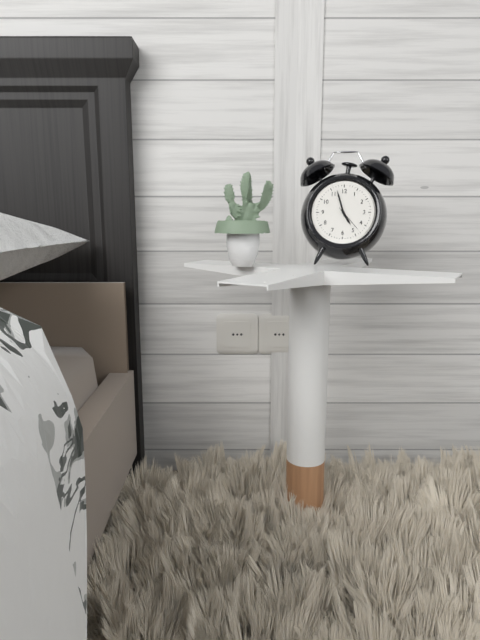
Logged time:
4,57
